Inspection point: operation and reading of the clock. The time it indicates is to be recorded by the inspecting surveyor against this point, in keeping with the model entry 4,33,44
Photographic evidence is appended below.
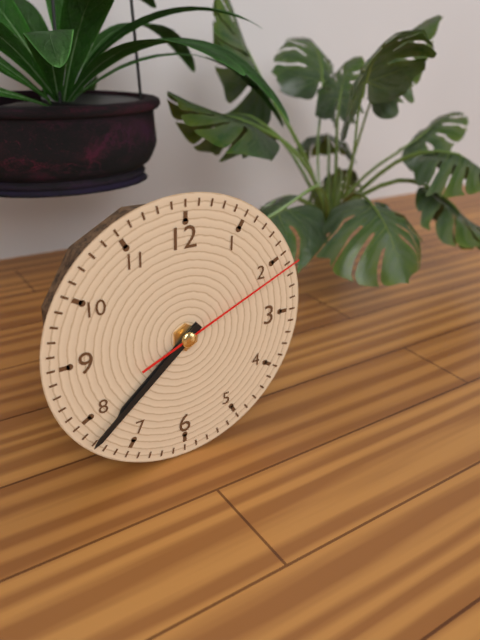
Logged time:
7,38,11
